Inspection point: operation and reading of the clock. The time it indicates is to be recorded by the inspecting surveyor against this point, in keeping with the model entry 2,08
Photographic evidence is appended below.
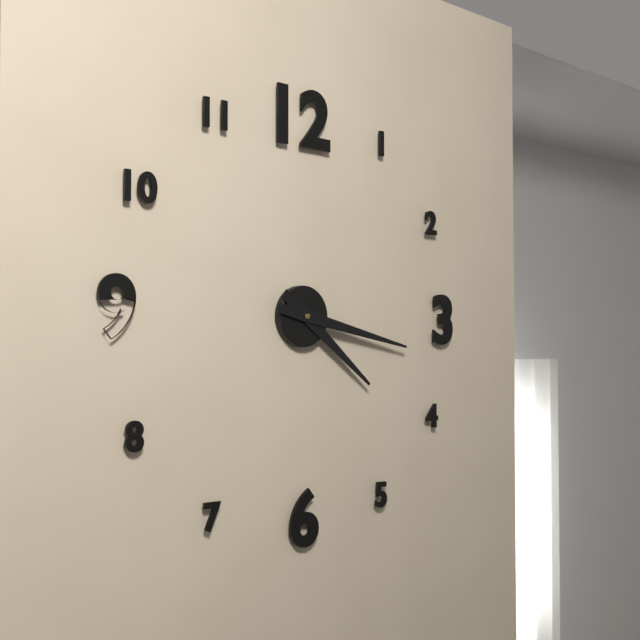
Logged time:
4,17
